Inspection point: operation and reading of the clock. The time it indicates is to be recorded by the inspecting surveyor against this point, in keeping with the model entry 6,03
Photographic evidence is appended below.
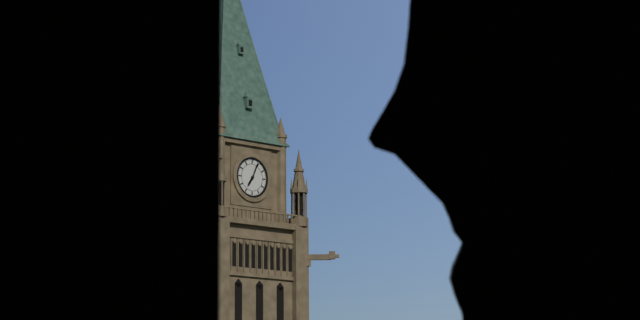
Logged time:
7,04
